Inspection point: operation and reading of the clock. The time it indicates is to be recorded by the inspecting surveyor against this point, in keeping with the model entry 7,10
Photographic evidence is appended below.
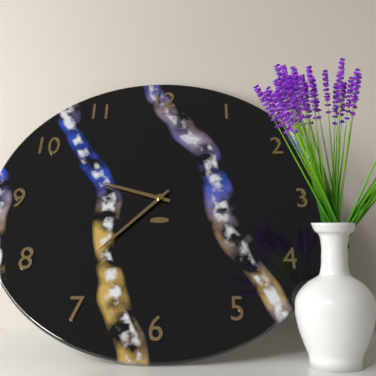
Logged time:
9,37
